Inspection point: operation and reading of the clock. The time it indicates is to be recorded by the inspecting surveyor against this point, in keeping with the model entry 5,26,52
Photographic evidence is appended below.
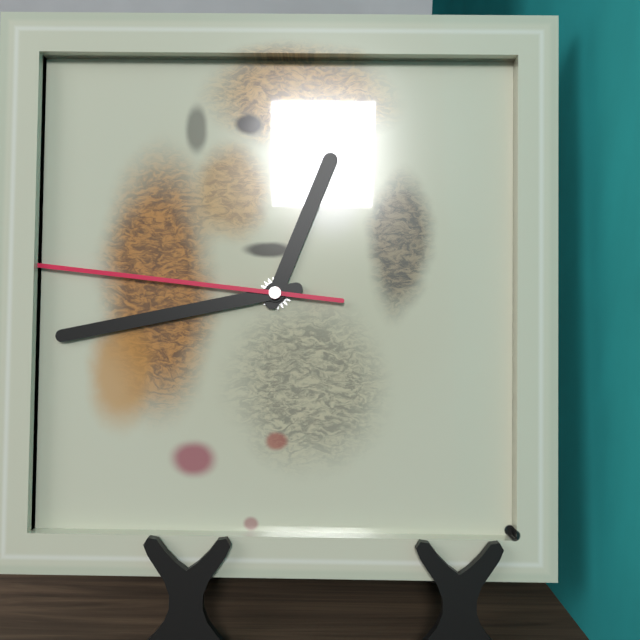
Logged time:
12,43,46
